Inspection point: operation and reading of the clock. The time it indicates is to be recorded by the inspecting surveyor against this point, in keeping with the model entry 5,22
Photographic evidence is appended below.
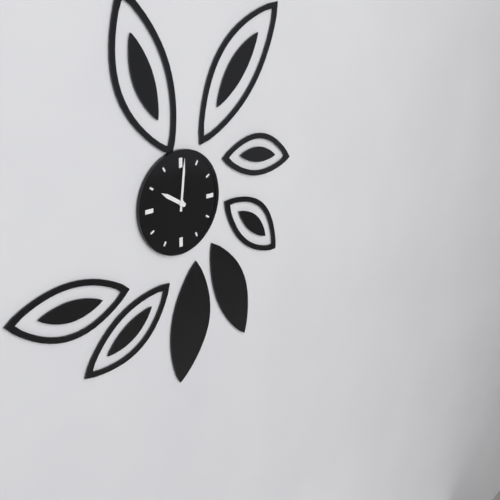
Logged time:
10,01
